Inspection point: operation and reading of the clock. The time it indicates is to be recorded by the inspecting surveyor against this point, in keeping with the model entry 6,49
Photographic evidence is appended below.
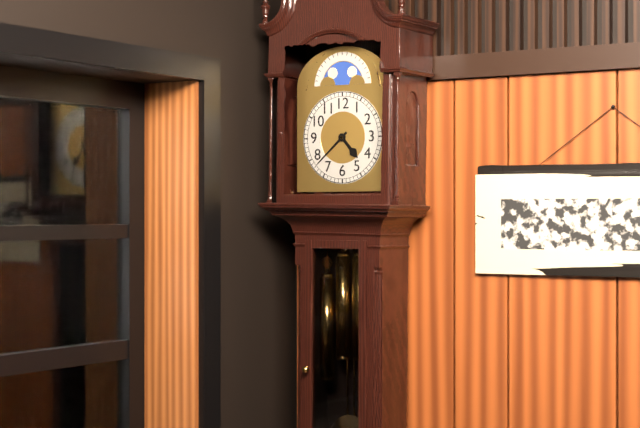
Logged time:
4,38
